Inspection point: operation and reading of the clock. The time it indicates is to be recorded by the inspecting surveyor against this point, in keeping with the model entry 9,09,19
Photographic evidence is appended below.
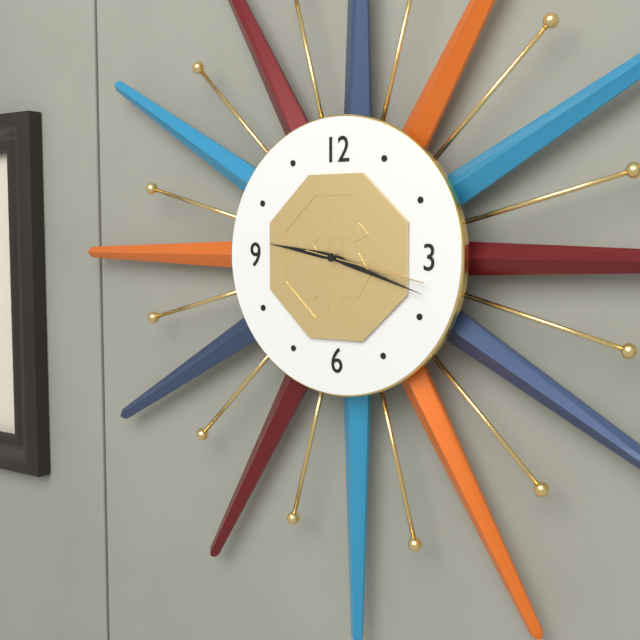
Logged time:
9,18,17
